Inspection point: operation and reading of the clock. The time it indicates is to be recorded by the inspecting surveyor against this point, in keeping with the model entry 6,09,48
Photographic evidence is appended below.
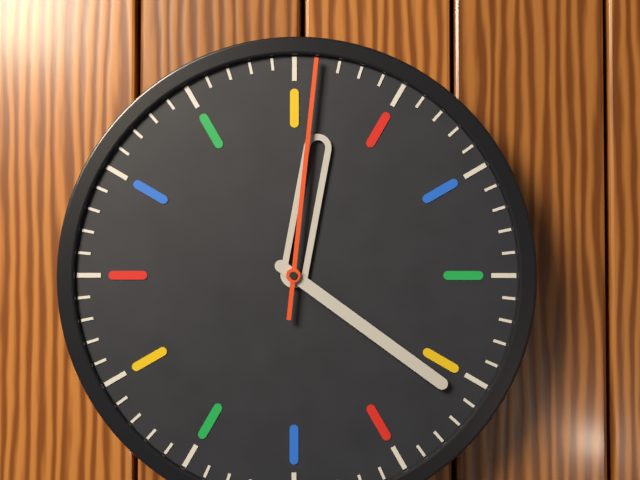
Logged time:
12,21,01
